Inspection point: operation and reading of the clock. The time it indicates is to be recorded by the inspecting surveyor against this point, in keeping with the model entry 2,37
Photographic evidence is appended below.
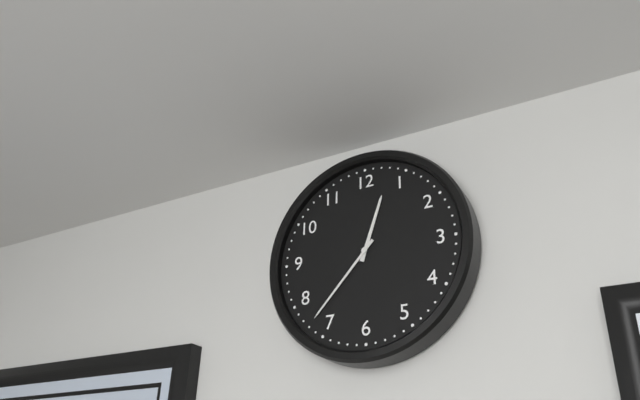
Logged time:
12,37
